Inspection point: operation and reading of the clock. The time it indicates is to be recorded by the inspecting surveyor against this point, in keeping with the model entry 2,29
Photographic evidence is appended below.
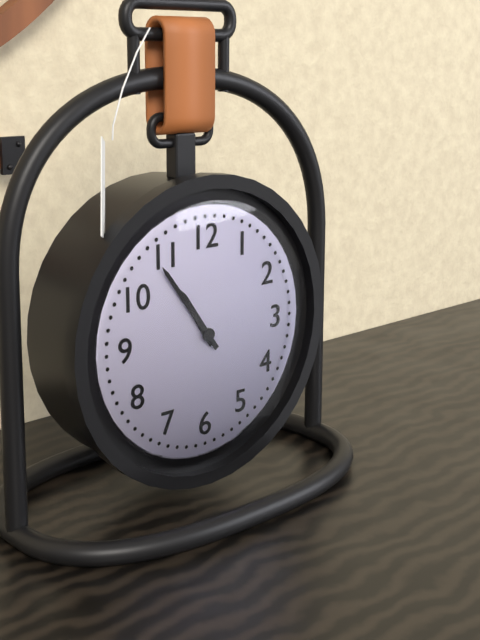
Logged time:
10,54
